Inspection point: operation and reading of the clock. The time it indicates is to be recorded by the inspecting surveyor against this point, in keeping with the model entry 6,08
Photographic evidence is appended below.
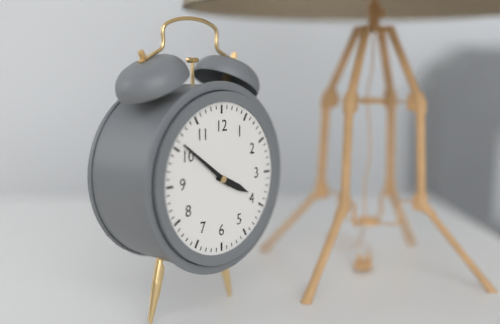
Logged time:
3,51
